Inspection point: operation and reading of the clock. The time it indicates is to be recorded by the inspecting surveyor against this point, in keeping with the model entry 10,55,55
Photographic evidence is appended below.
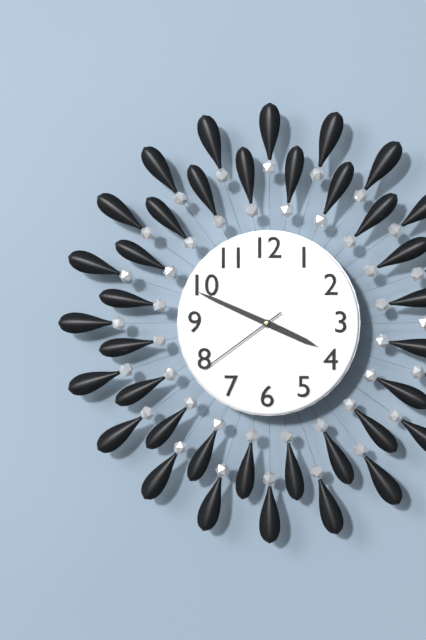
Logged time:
3,49,39
